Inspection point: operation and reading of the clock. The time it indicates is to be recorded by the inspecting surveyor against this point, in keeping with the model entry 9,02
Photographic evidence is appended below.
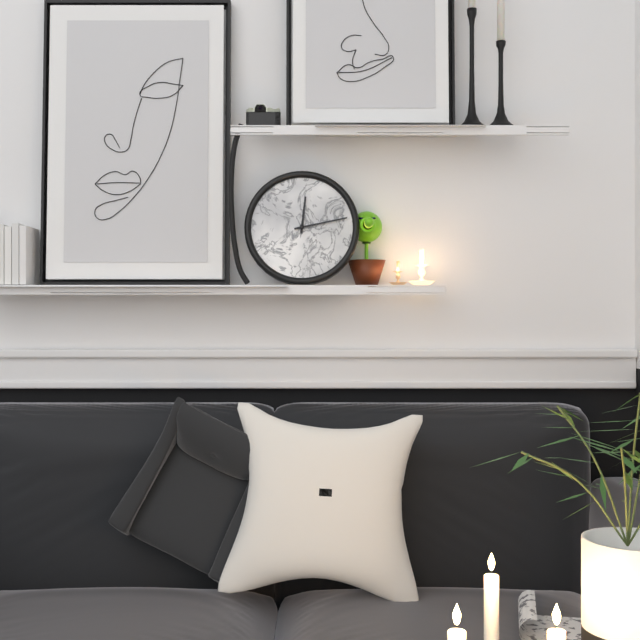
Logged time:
12,13
